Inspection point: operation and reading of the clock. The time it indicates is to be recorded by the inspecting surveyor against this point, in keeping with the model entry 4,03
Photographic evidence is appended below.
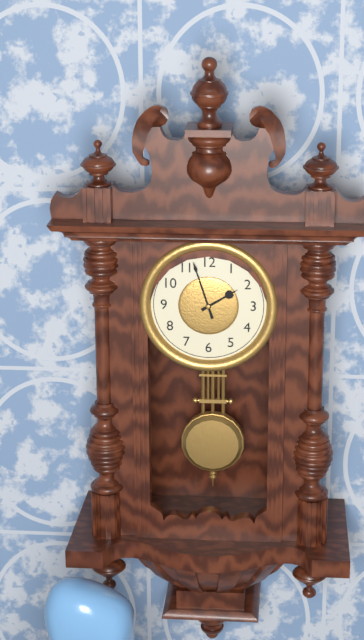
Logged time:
1,57
